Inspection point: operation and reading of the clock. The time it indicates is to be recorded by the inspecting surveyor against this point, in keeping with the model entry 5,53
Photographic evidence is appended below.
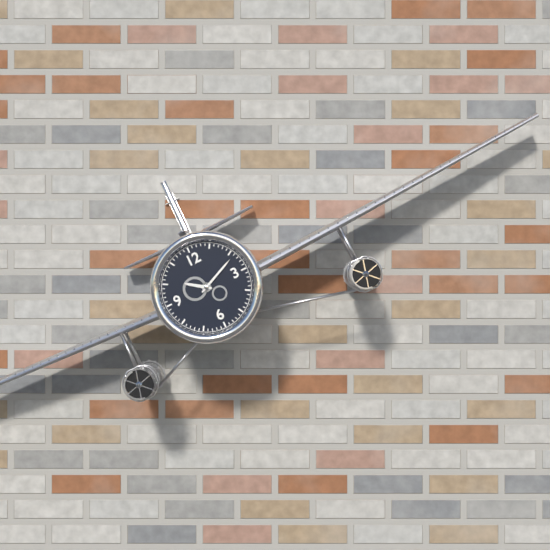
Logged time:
10,11
